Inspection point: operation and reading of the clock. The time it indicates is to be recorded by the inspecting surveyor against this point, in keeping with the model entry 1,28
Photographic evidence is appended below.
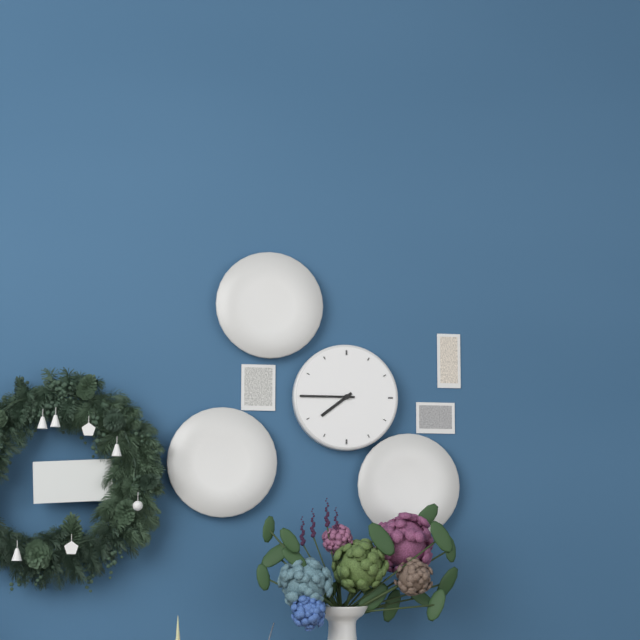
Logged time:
7,45
